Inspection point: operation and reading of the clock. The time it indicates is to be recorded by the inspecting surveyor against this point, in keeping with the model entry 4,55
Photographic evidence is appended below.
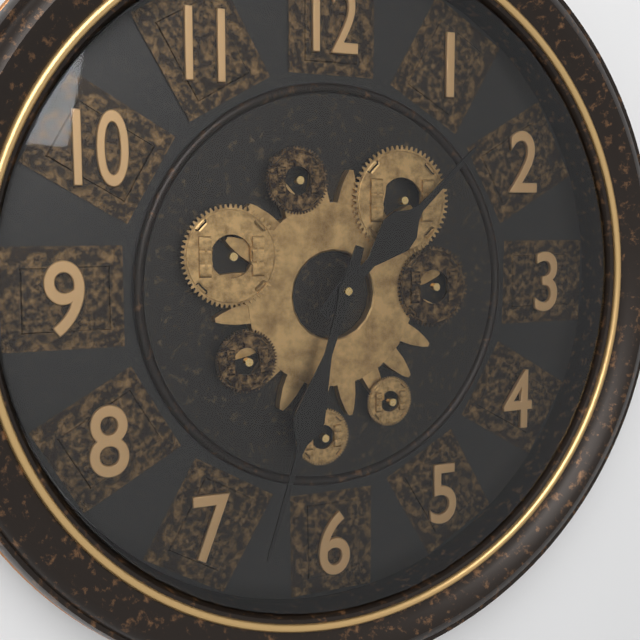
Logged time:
1,33
